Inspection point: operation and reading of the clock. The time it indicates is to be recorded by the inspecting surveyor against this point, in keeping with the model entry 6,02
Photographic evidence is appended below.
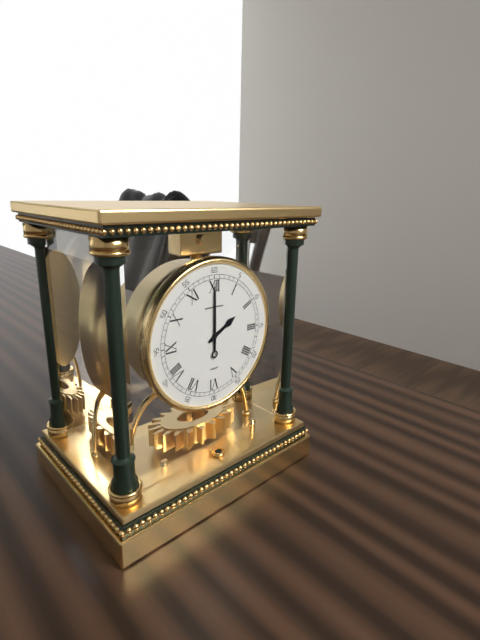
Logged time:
2,00
